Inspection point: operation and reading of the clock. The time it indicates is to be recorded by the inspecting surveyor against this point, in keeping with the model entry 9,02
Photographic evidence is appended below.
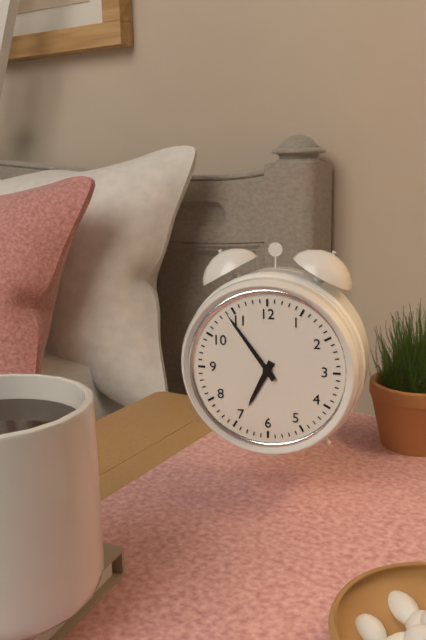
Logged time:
6,54
